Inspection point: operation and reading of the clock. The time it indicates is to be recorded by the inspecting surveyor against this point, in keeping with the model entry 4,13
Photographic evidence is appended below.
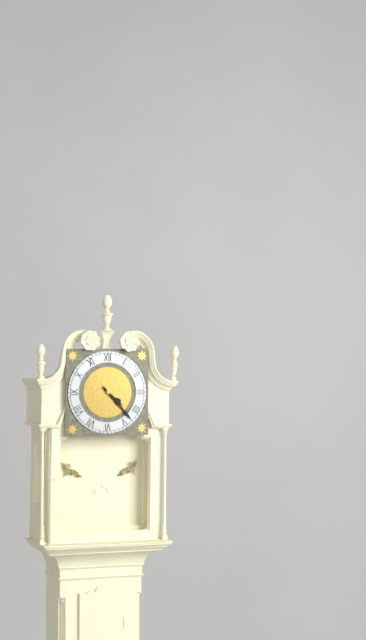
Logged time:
4,23
